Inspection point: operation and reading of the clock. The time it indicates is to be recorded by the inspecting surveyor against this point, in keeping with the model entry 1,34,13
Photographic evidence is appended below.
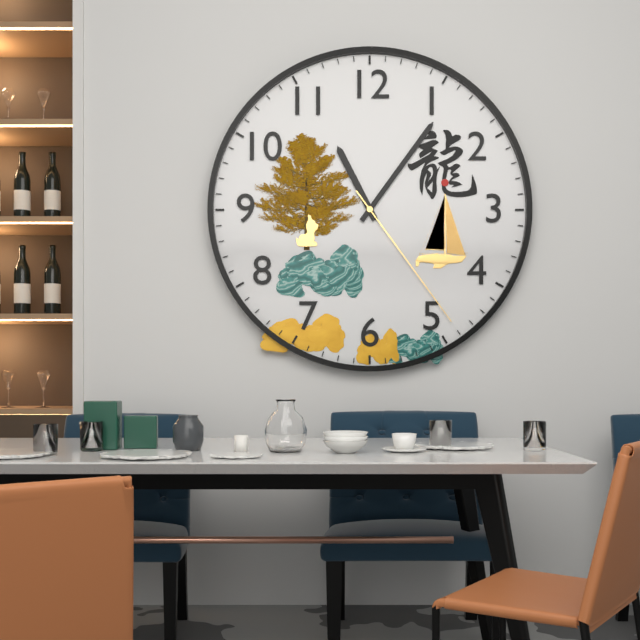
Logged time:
11,06,24
